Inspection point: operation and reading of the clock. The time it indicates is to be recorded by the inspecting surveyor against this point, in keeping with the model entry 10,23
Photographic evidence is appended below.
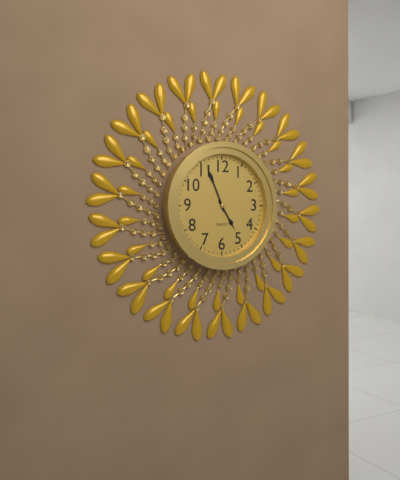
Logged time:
4,56
